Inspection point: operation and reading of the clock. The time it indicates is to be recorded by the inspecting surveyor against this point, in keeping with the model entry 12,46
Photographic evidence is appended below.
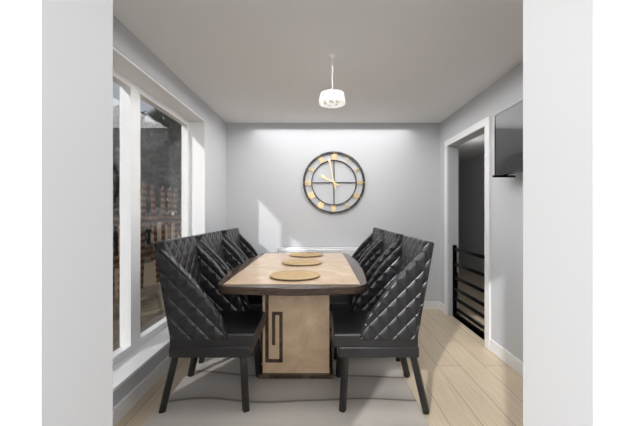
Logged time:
9,58
